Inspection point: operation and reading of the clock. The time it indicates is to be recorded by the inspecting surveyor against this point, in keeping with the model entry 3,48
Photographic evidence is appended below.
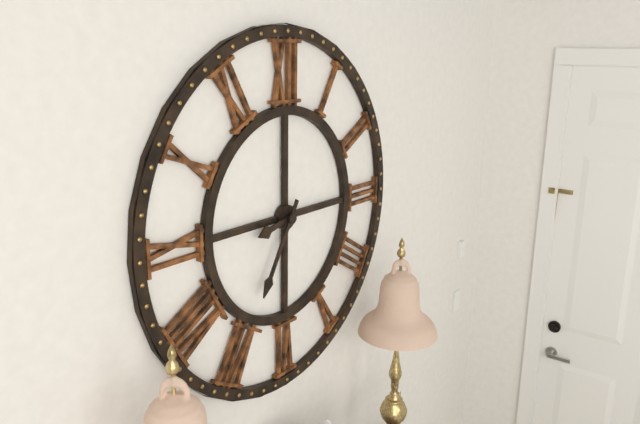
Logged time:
8,35
